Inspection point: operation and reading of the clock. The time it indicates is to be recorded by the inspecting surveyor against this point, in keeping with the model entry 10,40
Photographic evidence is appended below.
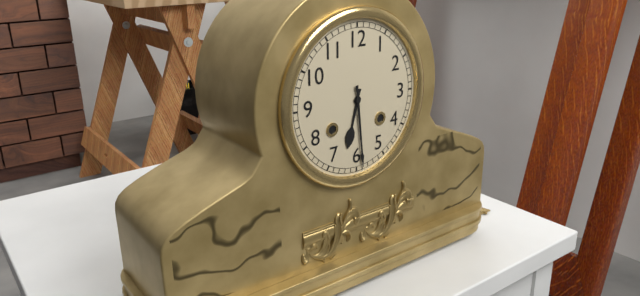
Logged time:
6,29
